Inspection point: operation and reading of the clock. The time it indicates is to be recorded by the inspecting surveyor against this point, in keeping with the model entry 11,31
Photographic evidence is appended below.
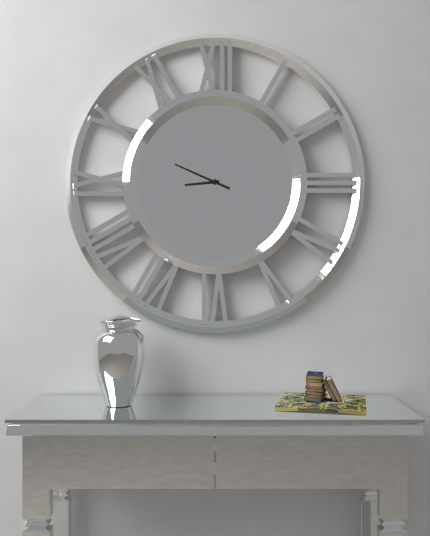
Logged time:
8,49
